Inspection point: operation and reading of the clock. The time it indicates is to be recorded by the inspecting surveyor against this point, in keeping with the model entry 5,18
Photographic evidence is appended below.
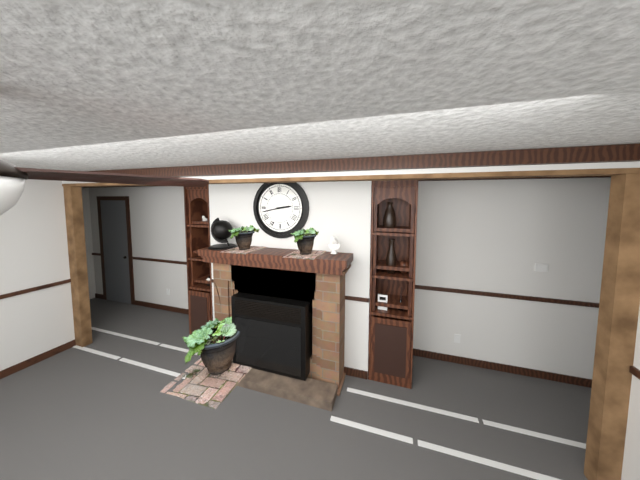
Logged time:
2,43
